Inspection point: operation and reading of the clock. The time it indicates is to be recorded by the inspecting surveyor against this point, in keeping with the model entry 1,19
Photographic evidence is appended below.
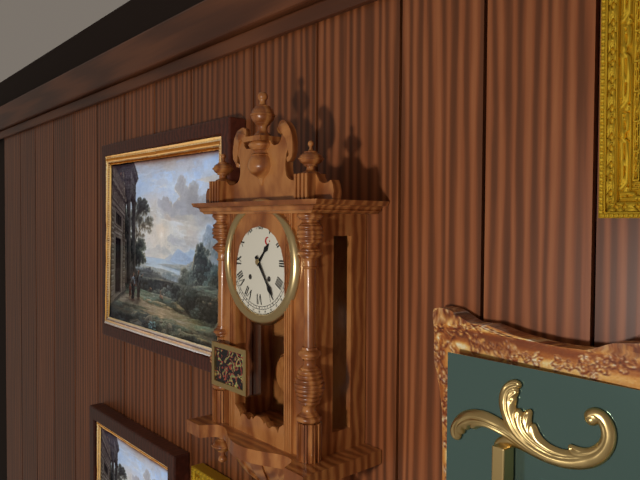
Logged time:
1,24
